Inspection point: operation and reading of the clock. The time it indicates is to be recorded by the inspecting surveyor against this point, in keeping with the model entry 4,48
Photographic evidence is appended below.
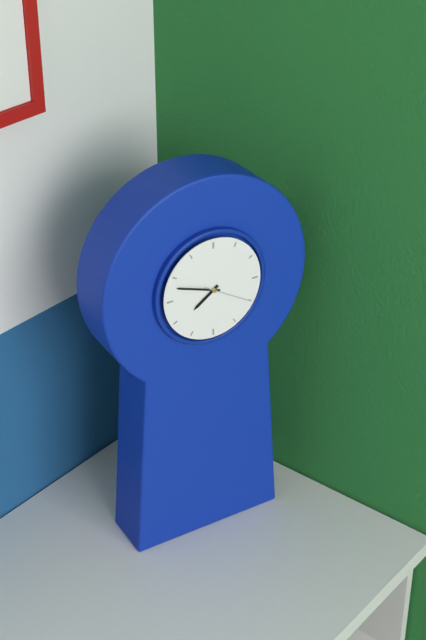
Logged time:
7,48
